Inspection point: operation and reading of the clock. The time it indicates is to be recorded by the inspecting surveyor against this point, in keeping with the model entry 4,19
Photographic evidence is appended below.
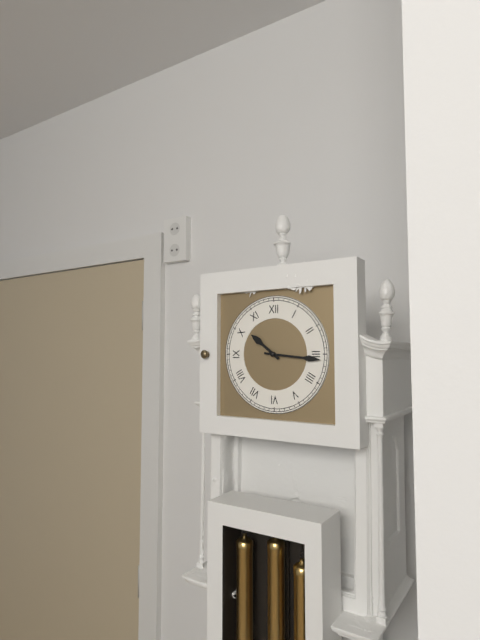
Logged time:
10,16
